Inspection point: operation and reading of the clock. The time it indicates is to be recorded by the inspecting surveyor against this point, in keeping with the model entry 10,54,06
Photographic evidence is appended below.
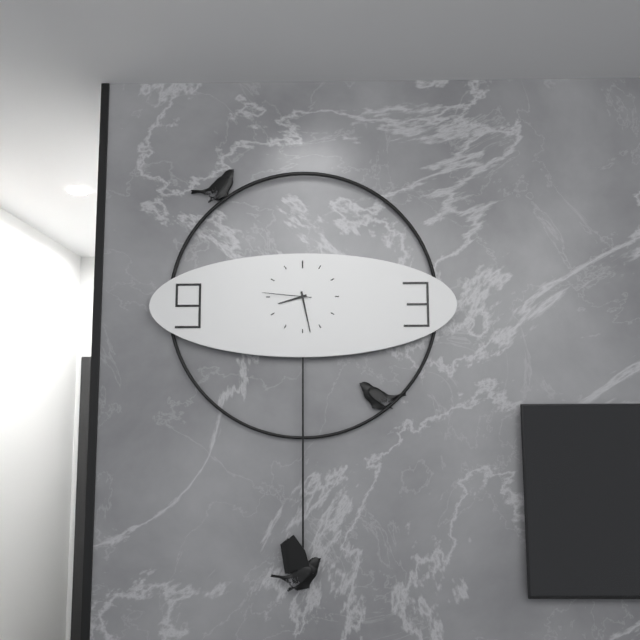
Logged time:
8,28,46
